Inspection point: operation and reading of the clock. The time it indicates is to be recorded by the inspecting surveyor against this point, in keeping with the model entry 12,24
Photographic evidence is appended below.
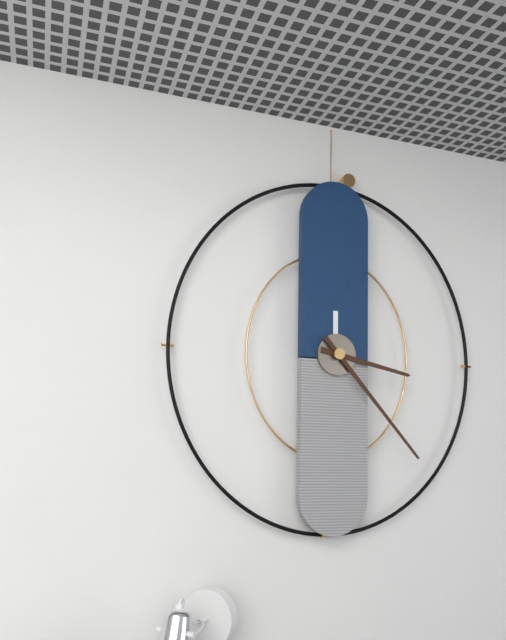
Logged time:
3,23
